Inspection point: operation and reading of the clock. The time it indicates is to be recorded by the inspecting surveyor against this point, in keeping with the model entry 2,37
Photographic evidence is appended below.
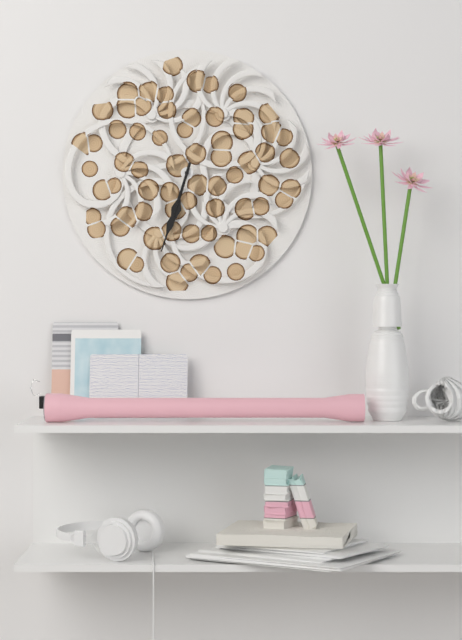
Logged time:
6,33
